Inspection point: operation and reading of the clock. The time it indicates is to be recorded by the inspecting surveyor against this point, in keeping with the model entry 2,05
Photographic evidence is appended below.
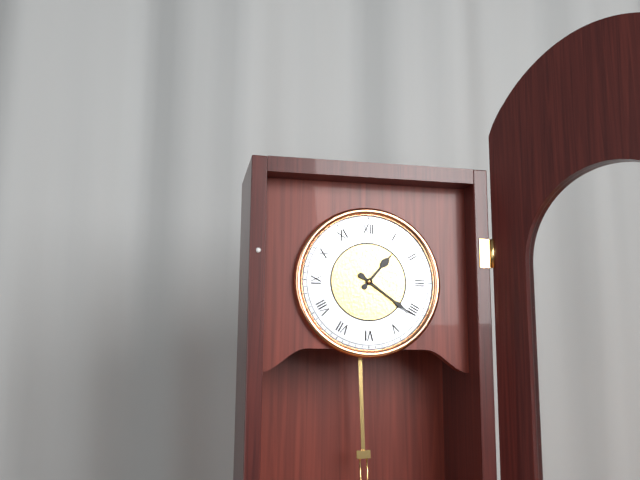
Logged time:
1,21
